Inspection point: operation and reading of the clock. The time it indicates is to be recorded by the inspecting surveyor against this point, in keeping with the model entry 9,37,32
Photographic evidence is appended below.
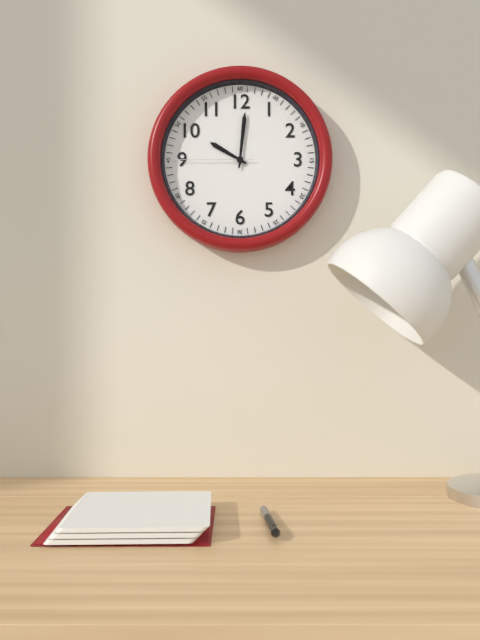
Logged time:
10,01,45
